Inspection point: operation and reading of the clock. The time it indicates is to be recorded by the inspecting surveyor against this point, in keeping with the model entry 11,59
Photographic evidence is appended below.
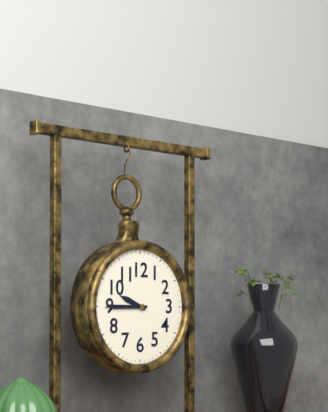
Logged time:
9,45
